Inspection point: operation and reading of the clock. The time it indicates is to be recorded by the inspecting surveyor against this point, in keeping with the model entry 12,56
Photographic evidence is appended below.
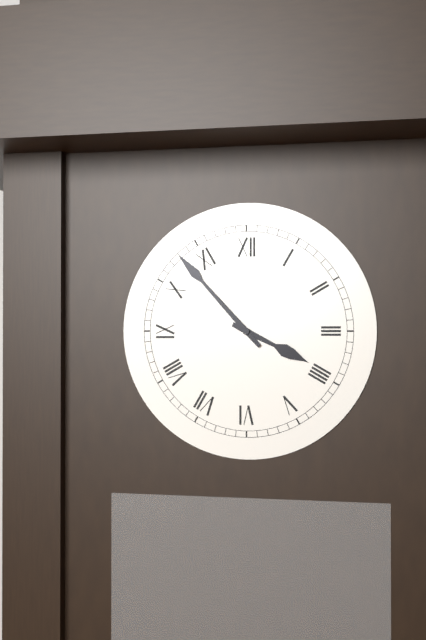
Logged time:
3,53
